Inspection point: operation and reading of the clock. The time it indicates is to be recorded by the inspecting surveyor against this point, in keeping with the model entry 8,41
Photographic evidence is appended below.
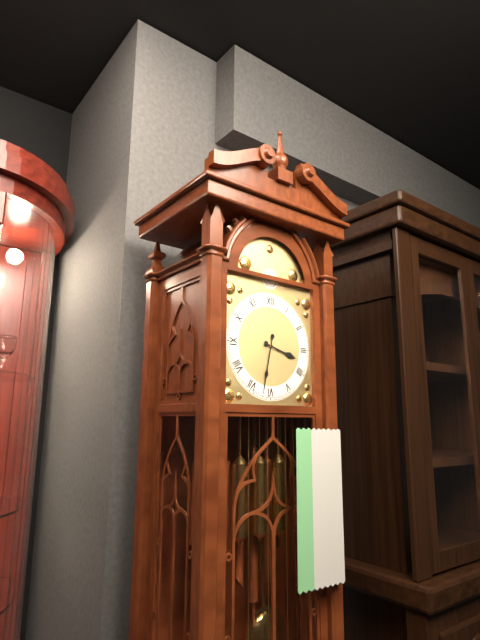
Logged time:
3,32
